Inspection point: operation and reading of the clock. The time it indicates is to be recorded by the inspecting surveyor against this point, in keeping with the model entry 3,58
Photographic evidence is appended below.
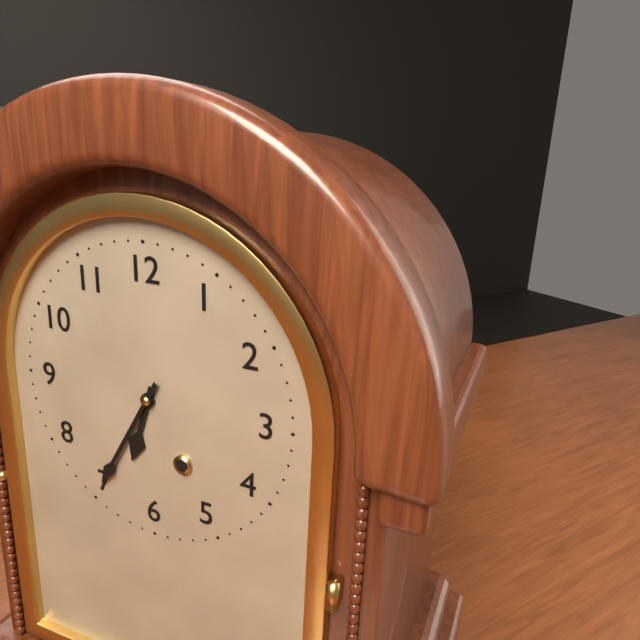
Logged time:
6,35
